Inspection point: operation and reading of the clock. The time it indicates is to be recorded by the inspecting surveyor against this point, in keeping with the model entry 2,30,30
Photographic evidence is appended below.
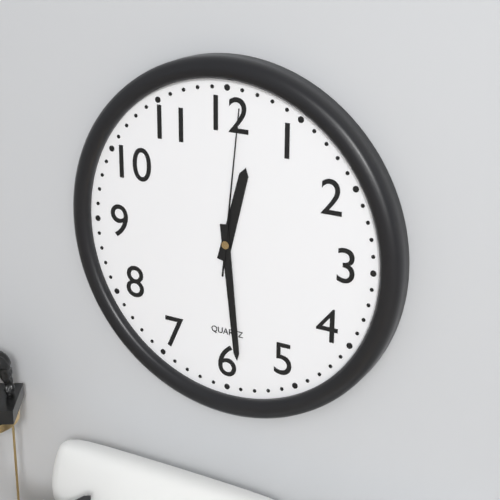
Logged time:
12,29,01
